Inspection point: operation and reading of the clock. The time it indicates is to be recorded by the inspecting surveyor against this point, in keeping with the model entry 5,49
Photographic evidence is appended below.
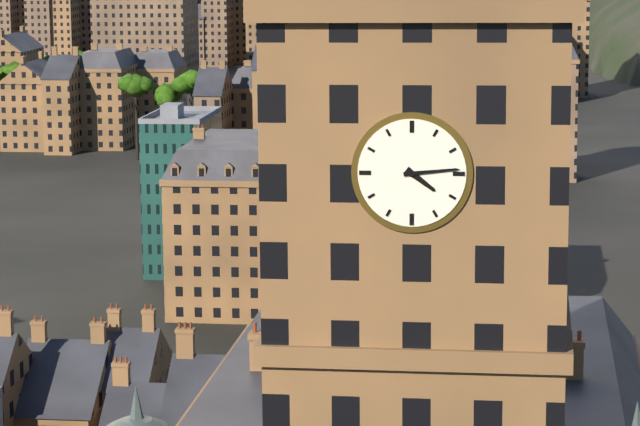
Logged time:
4,14
